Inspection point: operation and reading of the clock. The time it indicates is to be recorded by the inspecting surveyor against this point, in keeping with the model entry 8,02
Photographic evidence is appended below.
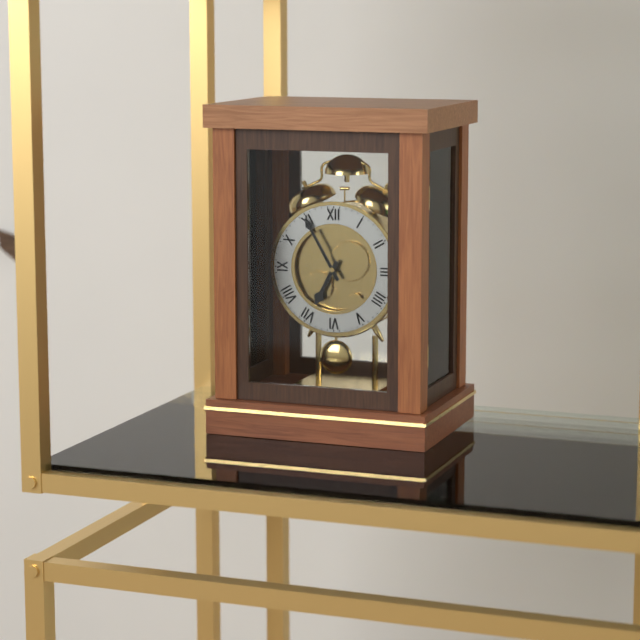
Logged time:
6,55
